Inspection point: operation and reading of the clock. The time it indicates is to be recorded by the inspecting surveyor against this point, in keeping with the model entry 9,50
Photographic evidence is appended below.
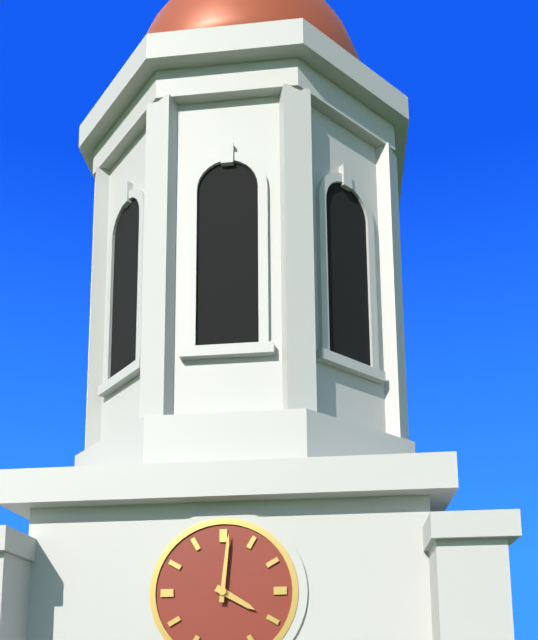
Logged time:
4,01
